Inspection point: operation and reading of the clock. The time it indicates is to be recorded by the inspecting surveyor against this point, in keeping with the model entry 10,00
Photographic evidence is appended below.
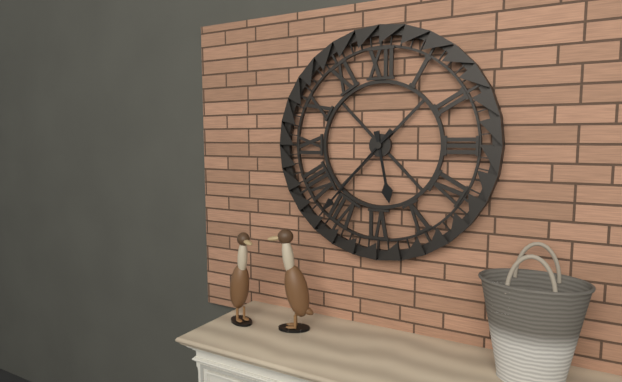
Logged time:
5,37
